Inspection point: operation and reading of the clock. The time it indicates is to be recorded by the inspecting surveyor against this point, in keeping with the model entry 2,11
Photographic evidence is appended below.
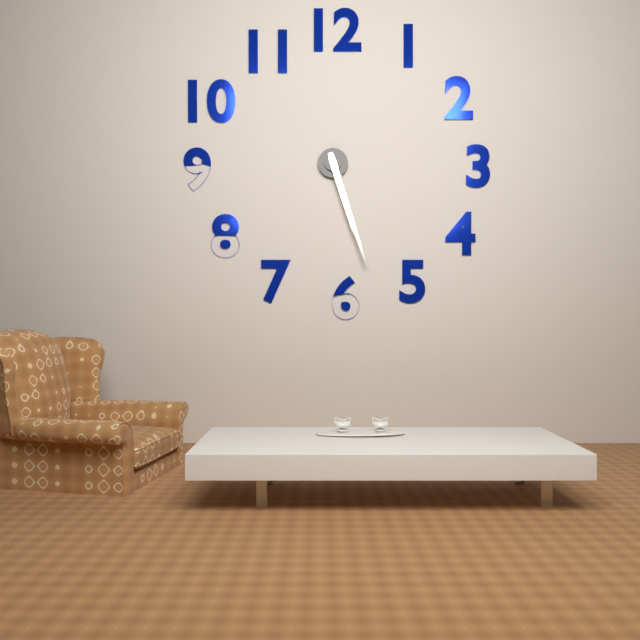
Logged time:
5,27
